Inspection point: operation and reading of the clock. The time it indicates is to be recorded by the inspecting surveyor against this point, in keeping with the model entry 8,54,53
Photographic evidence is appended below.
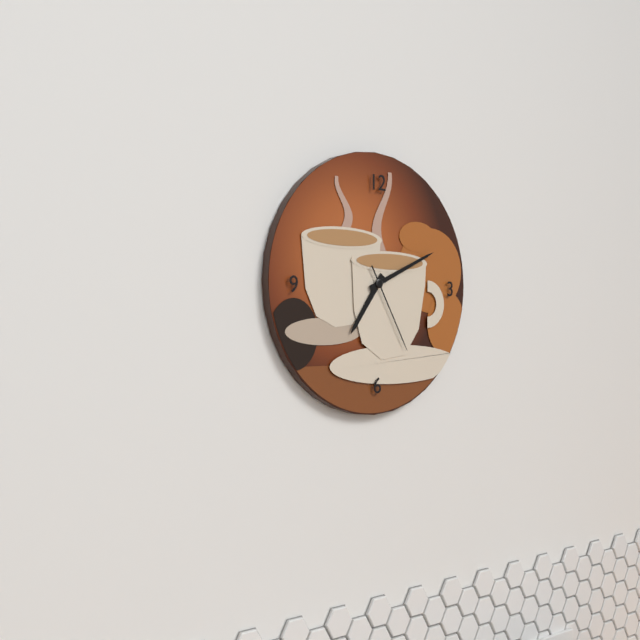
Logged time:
7,11,25
